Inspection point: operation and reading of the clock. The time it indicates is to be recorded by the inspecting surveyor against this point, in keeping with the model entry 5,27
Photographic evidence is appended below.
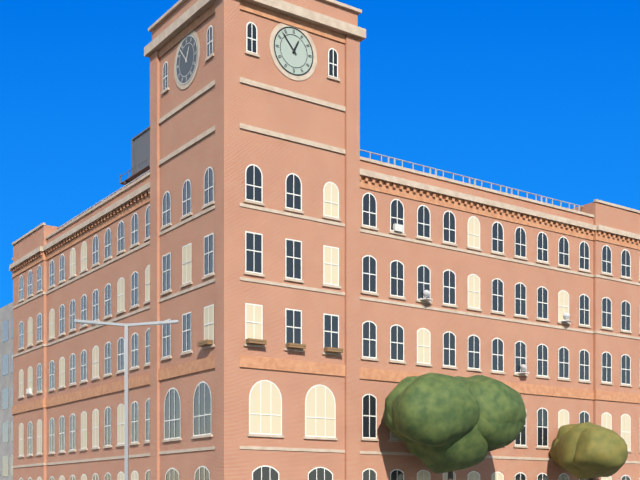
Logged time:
12,53
